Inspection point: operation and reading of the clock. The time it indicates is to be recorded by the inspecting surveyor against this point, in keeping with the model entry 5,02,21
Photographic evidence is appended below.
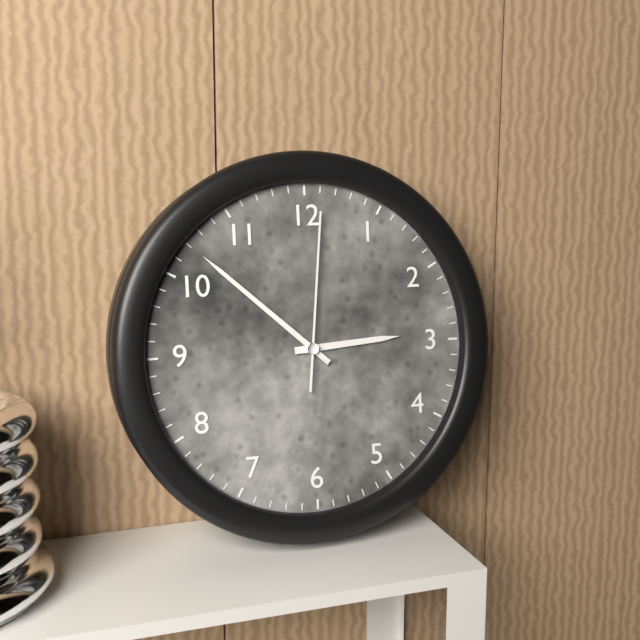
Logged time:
2,52,01
